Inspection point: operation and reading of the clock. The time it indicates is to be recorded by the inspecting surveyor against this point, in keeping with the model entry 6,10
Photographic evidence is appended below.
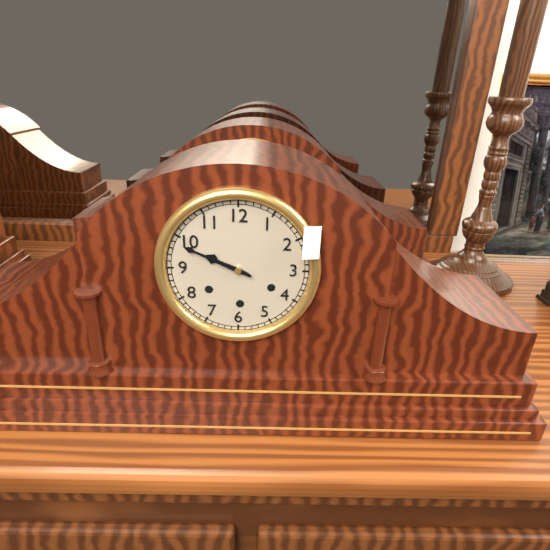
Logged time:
9,49
